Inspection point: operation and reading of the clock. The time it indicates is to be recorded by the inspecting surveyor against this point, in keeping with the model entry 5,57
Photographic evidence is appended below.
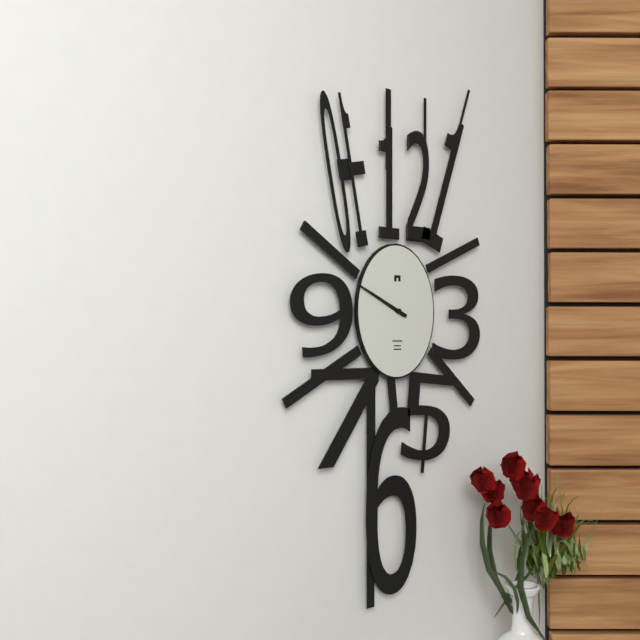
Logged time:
9,49
